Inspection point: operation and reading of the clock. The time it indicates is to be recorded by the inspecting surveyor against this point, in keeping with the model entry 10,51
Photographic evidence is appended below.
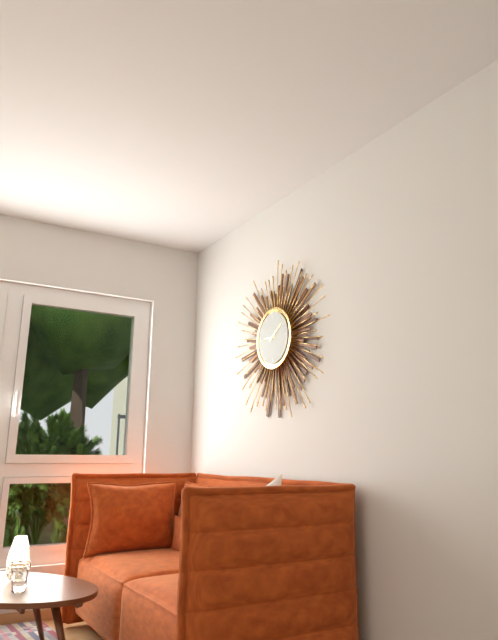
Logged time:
9,09
